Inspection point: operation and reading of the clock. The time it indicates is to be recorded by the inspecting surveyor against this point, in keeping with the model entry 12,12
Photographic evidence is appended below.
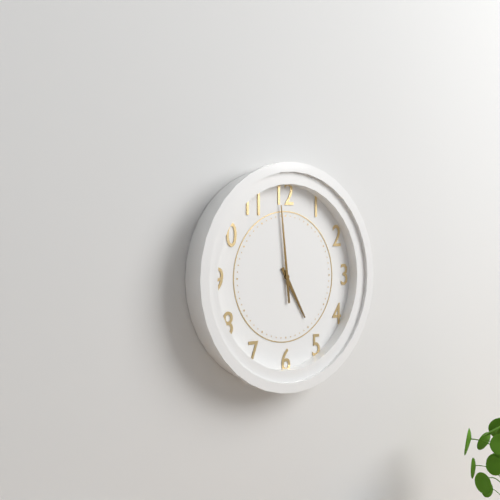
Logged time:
4,59
